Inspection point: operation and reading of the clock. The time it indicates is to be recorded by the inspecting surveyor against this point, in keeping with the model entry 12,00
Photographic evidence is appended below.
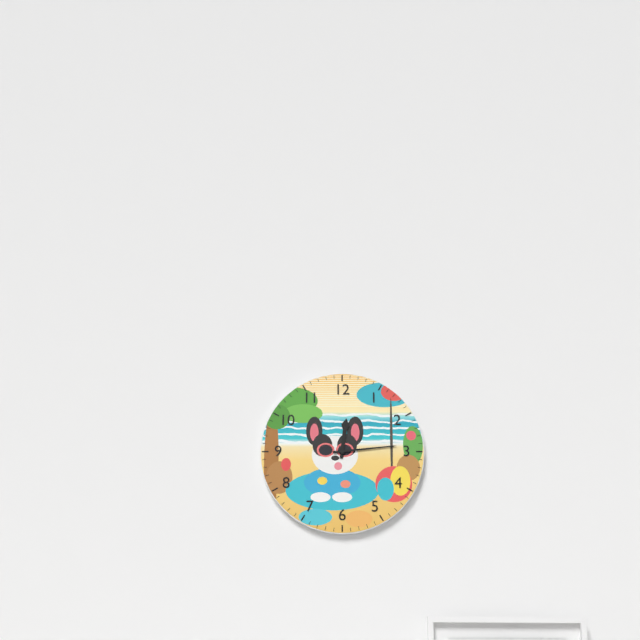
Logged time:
12,14
